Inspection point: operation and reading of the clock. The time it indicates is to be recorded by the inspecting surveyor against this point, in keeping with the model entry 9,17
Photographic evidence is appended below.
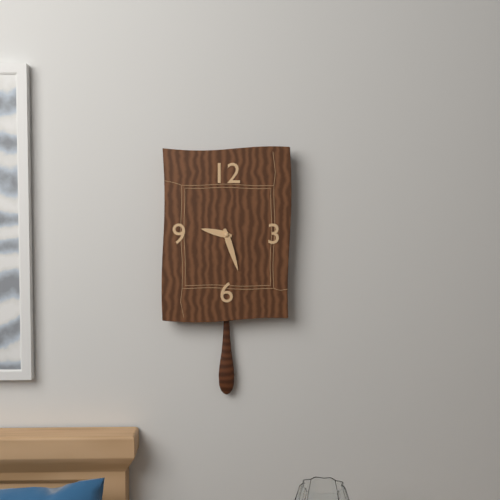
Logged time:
9,27
